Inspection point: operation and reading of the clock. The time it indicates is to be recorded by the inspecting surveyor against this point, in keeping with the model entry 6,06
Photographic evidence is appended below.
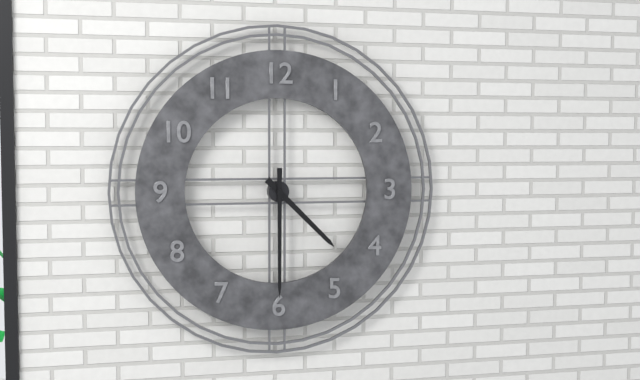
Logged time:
4,30
